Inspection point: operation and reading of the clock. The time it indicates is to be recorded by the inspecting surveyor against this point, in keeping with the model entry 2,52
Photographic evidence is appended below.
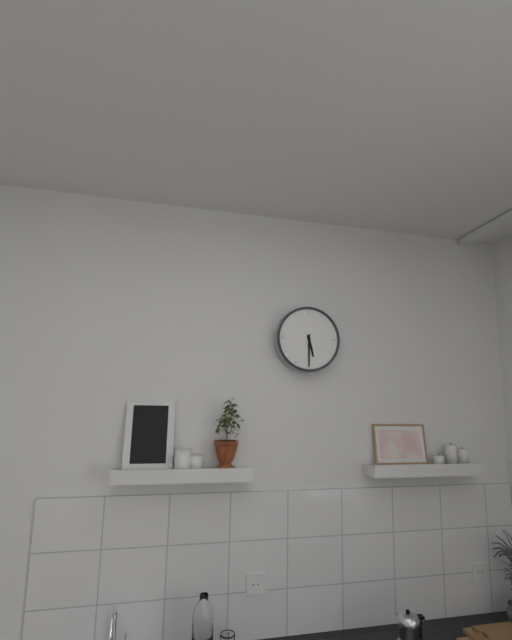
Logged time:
5,30
